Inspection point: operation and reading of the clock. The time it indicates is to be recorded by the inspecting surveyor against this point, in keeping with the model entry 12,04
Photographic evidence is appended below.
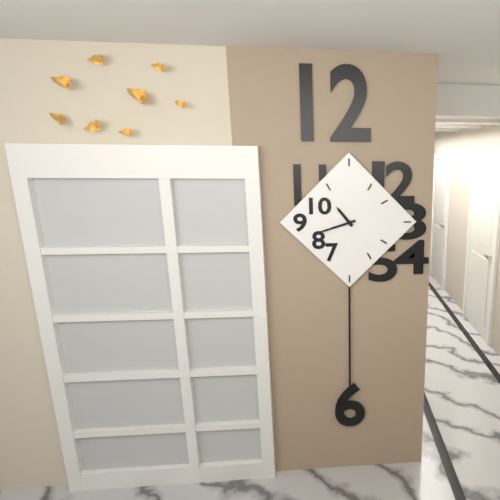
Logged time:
10,42
